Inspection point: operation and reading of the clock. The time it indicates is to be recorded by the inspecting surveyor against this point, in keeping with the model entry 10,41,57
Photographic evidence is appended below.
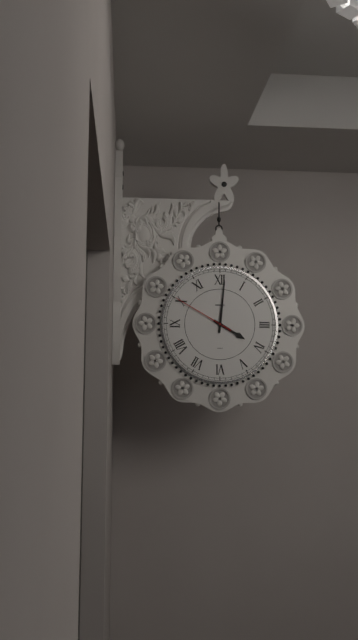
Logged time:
4,01,50
